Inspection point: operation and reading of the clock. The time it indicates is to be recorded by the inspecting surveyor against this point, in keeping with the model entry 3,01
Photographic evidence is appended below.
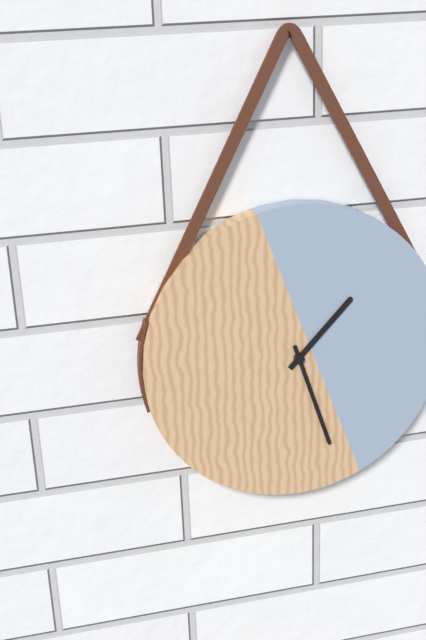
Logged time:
1,27
